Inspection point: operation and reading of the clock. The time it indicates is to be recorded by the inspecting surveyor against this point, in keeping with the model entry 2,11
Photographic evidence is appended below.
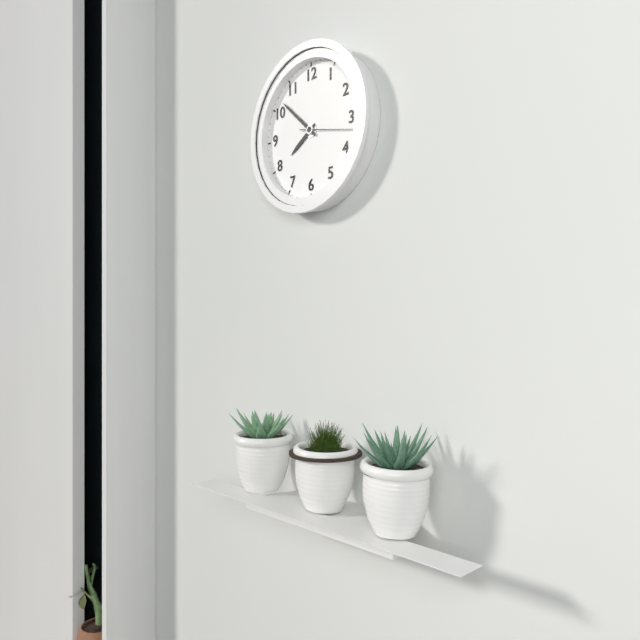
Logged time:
7,52
